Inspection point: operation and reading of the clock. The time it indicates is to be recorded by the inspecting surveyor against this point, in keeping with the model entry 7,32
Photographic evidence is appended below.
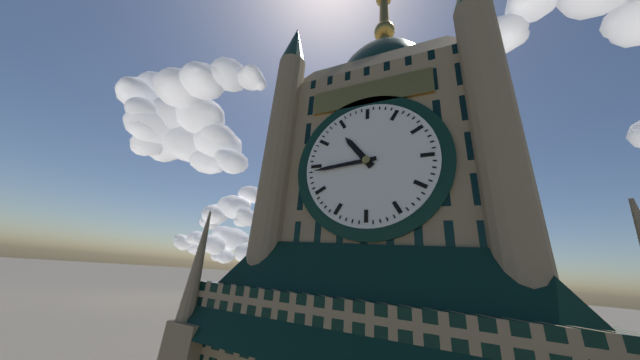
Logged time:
10,44
